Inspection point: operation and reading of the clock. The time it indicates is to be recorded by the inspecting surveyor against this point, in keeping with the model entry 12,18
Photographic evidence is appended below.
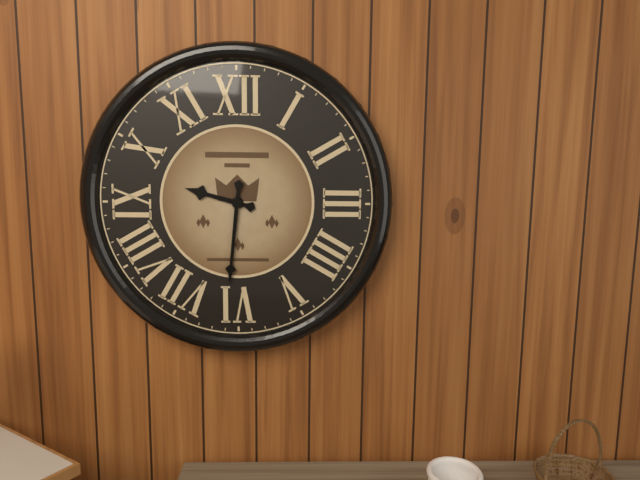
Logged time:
9,31
